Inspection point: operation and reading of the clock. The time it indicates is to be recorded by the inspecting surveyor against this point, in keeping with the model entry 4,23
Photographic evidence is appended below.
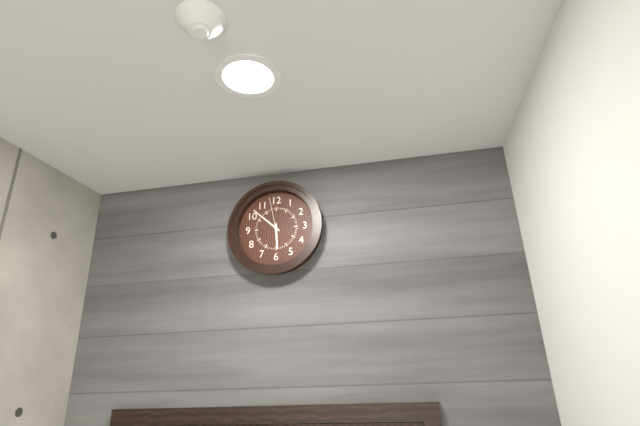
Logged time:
5,52
